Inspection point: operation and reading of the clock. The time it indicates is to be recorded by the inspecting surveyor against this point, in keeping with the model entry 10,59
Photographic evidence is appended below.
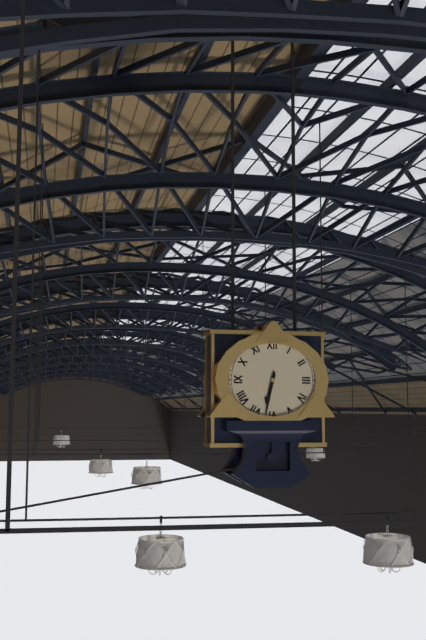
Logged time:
6,32
